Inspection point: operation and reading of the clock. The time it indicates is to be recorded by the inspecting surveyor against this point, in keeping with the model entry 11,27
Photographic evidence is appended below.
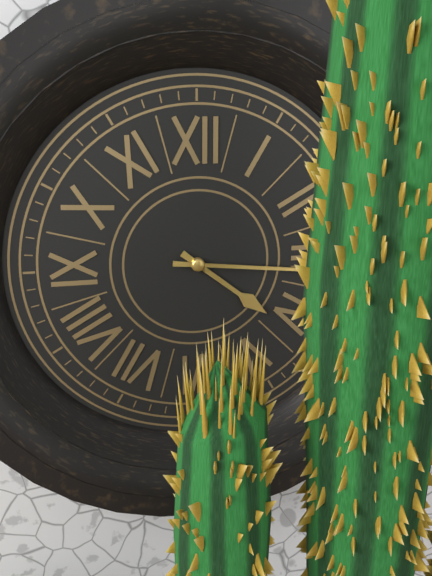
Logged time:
4,16
